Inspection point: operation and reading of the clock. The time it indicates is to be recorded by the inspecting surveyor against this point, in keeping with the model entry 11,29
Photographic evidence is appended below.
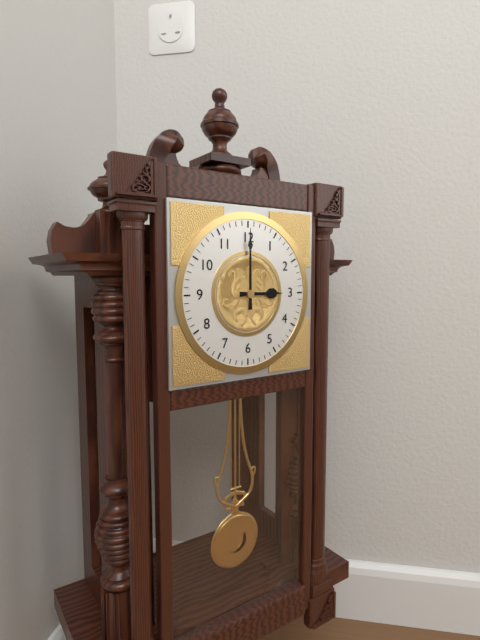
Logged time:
3,00
